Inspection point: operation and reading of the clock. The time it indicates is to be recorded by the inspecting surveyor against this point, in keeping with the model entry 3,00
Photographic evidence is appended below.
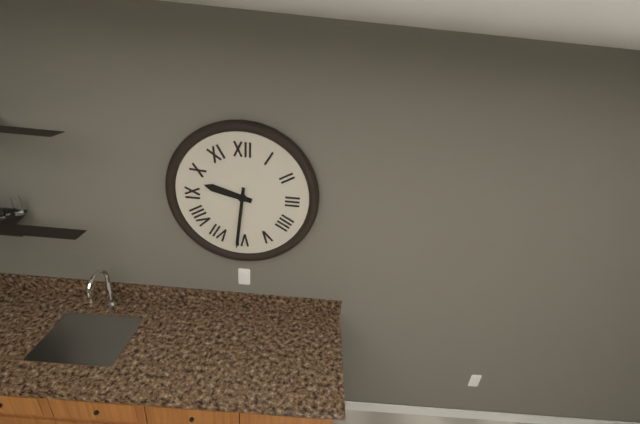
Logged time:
9,31
